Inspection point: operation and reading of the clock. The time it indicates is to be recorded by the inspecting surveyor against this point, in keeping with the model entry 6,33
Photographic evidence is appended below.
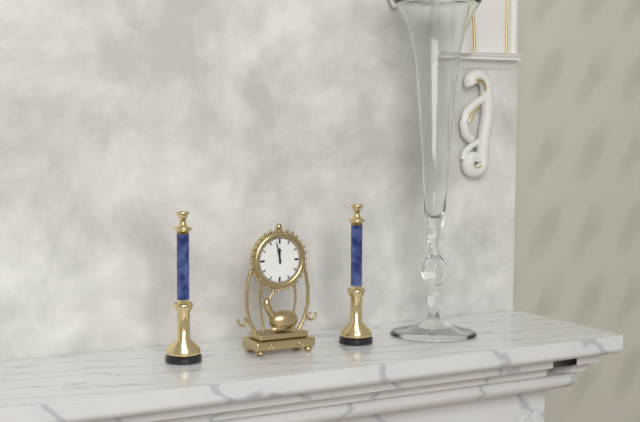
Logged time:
11,58
